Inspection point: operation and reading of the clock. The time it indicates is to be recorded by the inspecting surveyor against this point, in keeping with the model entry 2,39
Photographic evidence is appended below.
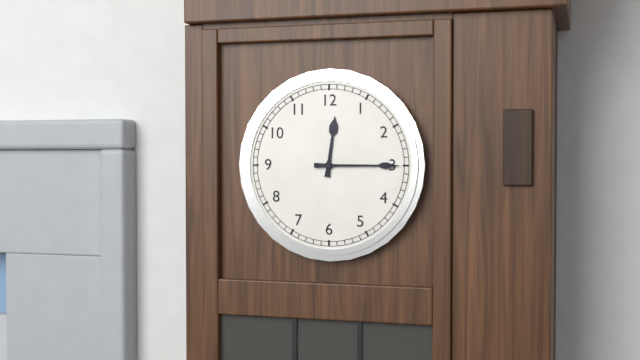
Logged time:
12,15
